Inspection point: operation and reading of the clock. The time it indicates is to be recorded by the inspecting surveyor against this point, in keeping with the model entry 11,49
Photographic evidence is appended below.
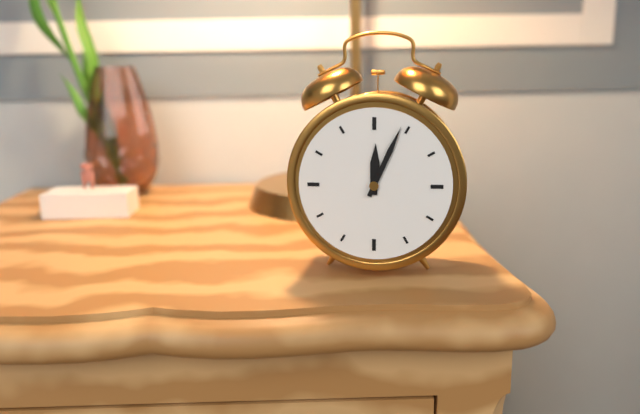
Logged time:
12,04
